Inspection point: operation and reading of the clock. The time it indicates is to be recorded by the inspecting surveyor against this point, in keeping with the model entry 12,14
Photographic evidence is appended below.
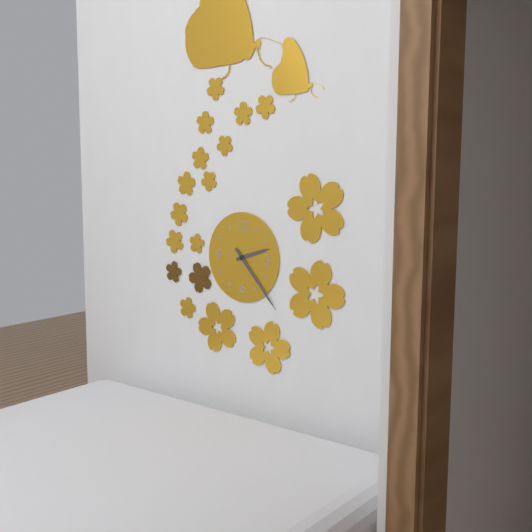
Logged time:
2,23
